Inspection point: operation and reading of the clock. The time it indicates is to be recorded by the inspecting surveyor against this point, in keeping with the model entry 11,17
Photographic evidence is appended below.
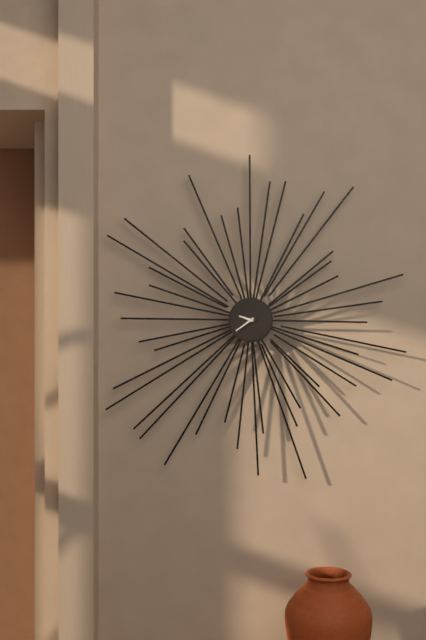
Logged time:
9,39
